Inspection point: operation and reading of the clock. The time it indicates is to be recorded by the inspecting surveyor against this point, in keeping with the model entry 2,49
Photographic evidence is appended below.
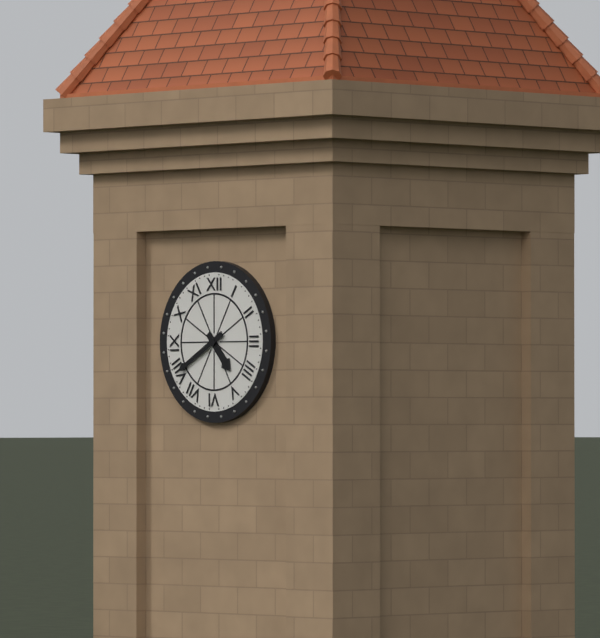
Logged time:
4,40
